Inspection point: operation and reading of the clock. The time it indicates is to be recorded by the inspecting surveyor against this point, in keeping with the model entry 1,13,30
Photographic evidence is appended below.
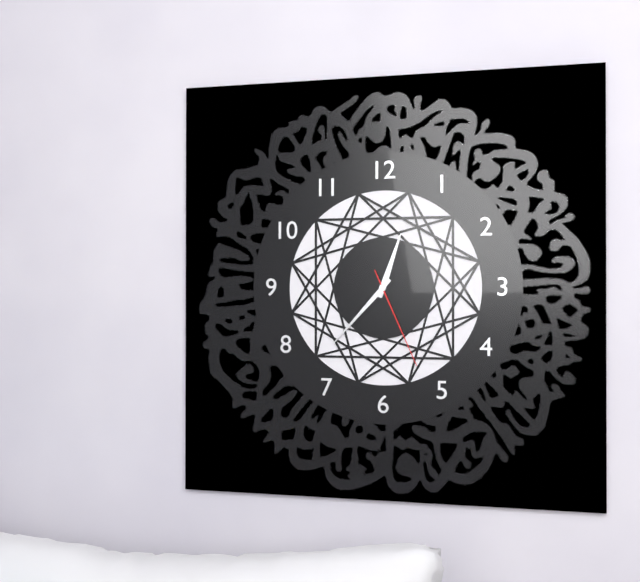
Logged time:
12,37,26
